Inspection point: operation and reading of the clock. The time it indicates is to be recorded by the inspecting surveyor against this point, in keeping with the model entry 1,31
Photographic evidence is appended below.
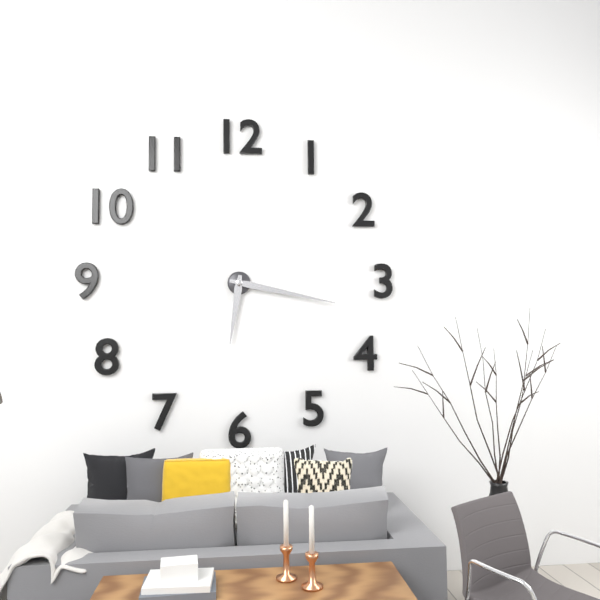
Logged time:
6,17
